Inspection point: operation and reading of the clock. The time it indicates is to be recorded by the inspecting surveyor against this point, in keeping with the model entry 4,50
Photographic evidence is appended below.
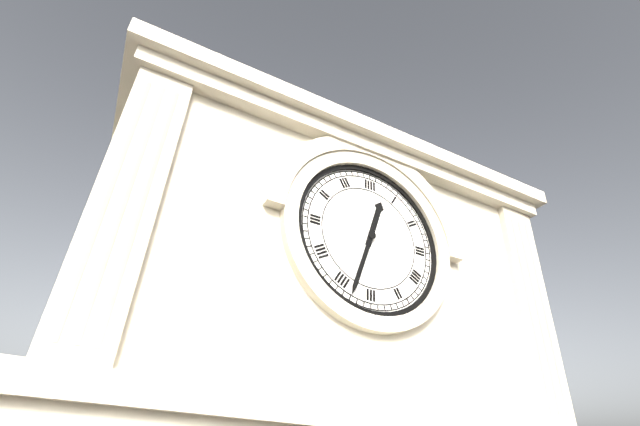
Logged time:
12,33
